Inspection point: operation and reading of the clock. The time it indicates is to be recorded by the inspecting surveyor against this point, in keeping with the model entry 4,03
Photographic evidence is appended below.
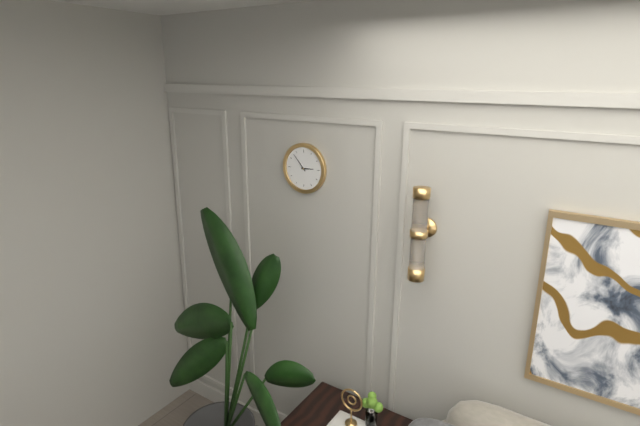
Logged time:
2,53
